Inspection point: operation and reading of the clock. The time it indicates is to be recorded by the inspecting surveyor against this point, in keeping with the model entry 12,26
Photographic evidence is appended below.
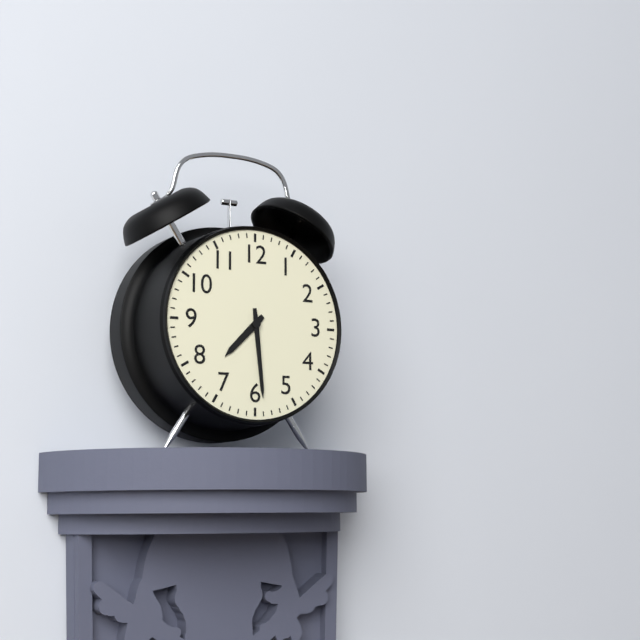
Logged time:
7,29
